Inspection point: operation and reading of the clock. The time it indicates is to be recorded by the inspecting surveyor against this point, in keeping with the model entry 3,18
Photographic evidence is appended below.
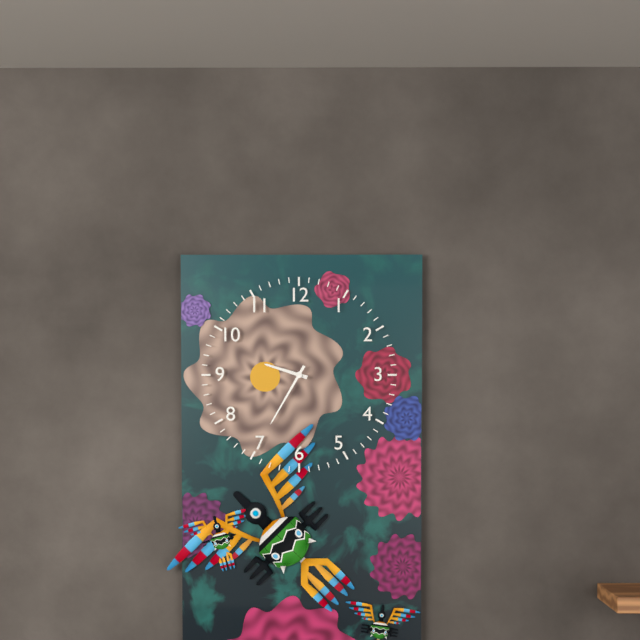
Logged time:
9,35
